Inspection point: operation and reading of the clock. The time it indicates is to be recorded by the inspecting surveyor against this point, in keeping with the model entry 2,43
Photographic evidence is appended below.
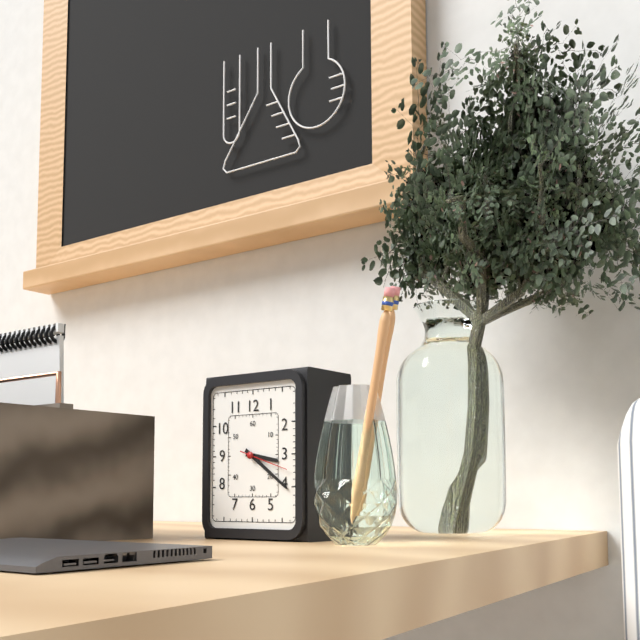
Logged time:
3,21
